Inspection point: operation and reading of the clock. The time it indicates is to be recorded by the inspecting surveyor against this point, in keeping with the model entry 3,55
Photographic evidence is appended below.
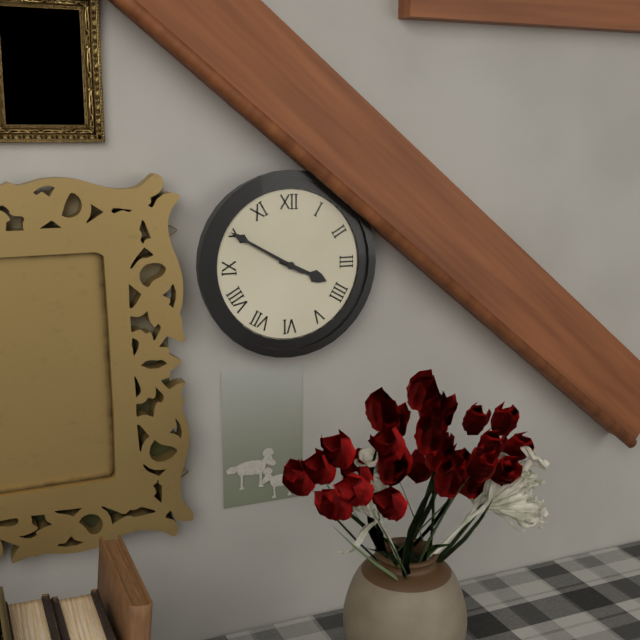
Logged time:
3,50
